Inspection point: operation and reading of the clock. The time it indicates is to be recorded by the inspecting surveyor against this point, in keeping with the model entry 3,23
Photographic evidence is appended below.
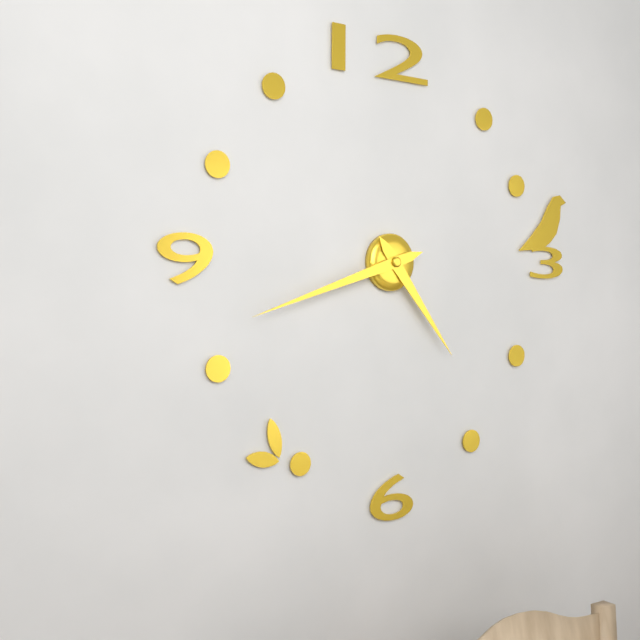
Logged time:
4,42
